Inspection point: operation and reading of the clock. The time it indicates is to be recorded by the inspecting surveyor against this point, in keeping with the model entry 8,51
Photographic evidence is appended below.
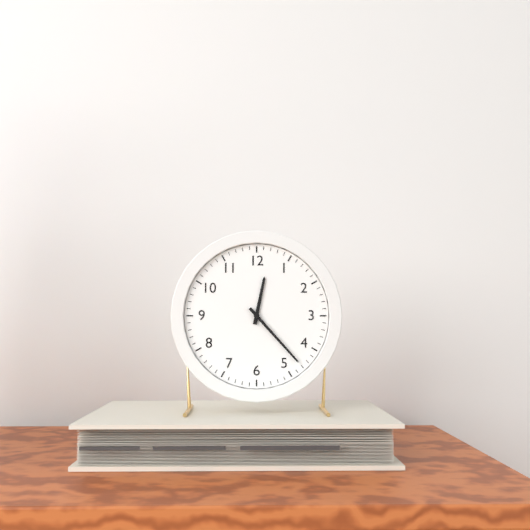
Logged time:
12,23
